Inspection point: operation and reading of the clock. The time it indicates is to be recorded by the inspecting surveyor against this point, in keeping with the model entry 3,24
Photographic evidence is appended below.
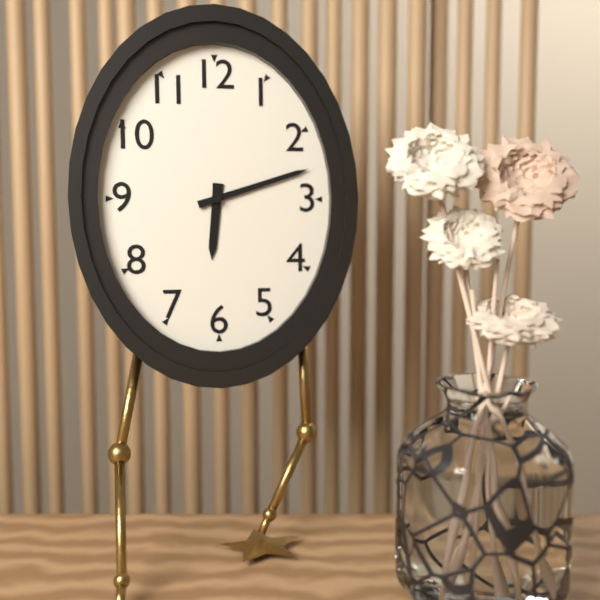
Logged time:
6,12
